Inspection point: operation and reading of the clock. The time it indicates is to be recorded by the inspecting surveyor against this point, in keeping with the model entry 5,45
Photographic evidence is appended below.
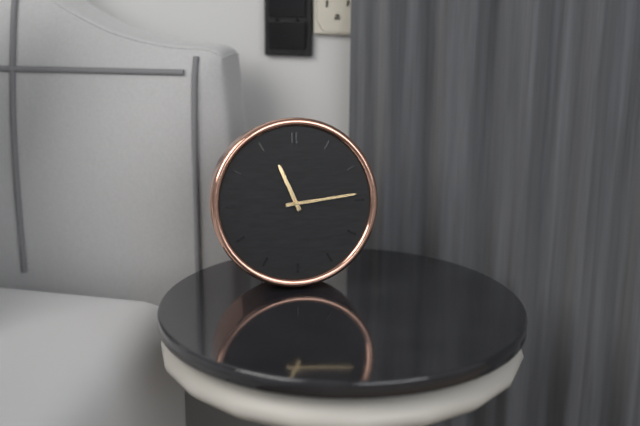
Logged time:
11,14
